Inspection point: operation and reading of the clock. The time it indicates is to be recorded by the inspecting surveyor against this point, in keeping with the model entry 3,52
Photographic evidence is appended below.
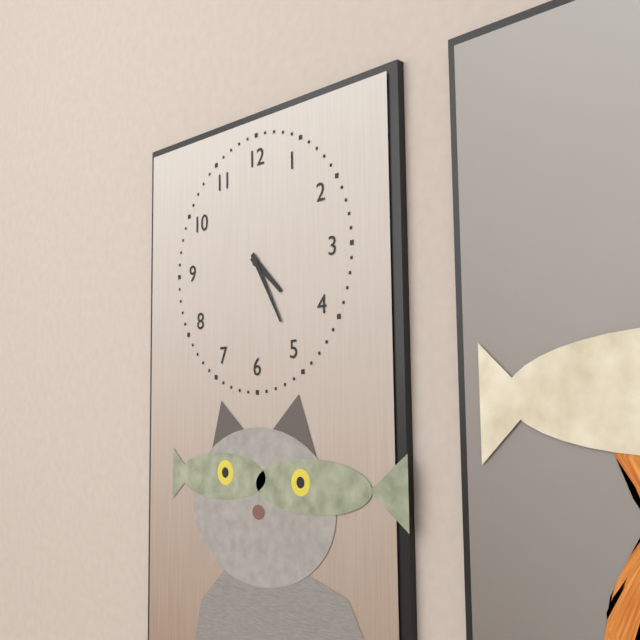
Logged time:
4,25
